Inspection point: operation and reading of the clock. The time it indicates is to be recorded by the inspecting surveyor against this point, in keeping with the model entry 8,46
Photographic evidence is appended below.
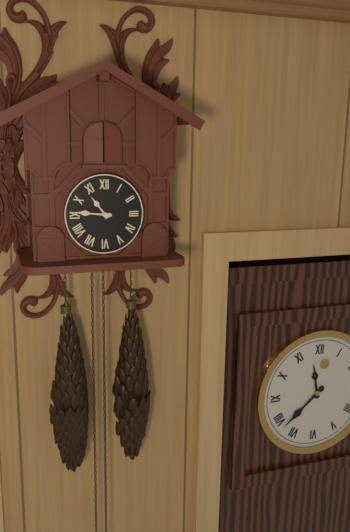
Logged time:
10,46
